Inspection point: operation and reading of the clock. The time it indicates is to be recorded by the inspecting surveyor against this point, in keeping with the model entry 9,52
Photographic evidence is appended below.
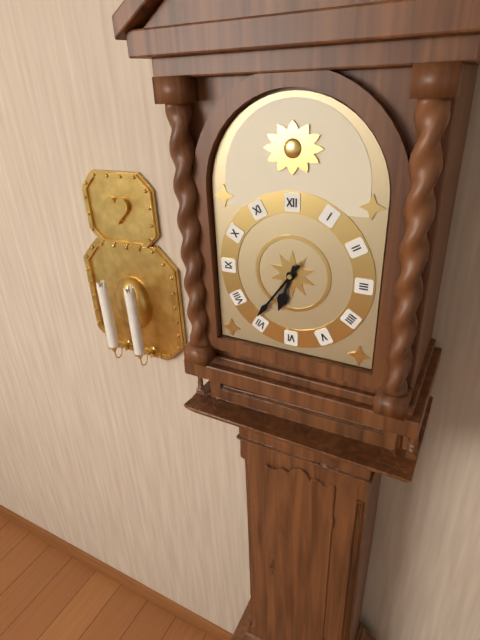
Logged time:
6,36
